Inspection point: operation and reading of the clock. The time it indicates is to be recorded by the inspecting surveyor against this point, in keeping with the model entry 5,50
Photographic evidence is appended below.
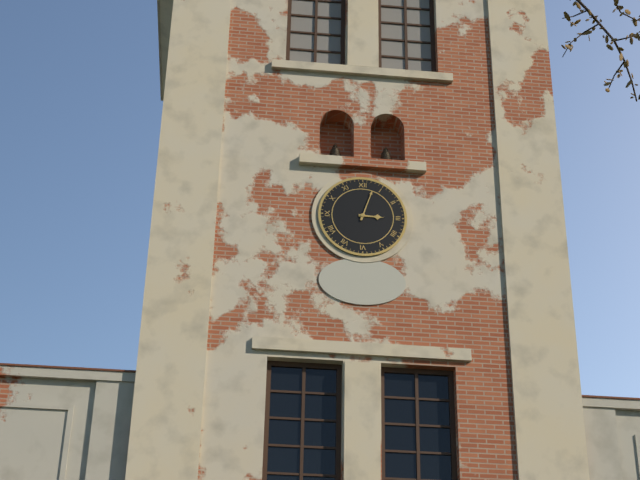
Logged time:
3,03
